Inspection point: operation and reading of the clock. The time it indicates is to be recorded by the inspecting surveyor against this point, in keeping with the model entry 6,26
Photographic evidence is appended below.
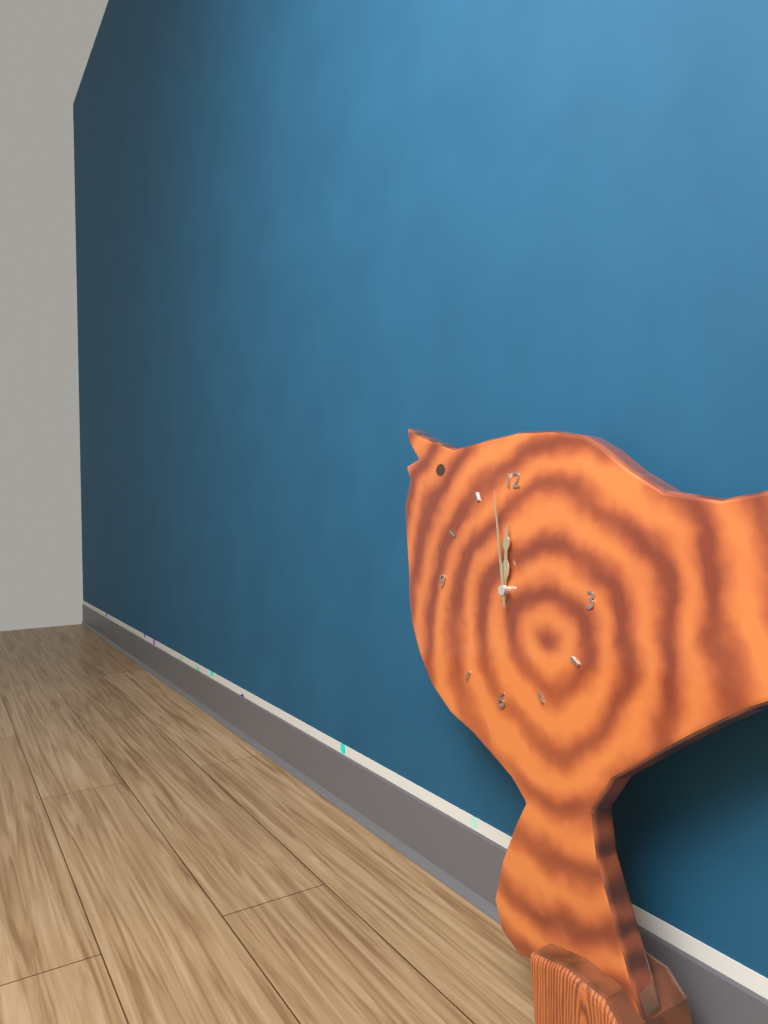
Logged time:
11,58
